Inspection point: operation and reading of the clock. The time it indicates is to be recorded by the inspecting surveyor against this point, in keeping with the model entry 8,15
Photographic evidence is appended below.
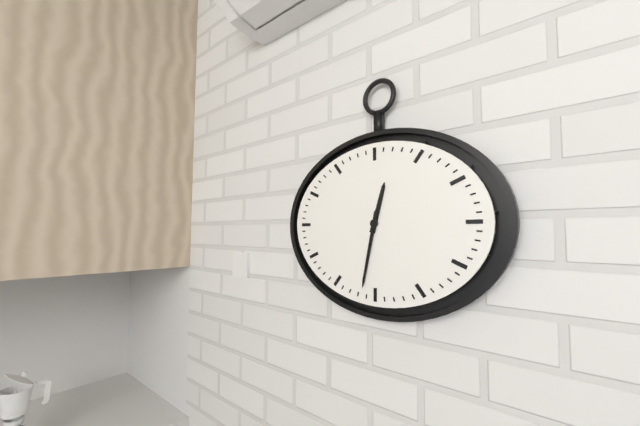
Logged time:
12,32
